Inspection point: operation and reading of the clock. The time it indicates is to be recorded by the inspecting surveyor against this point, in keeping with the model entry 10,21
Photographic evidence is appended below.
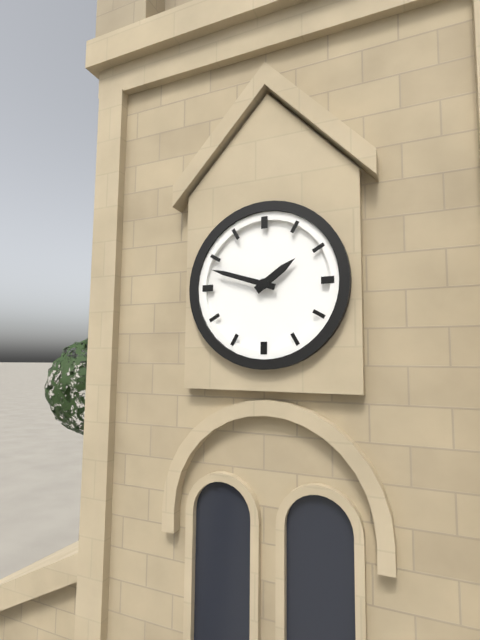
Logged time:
1,48
